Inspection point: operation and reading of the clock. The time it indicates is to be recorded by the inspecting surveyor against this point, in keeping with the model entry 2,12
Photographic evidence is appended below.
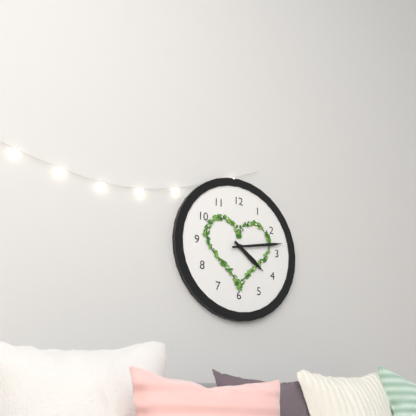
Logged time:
4,13
